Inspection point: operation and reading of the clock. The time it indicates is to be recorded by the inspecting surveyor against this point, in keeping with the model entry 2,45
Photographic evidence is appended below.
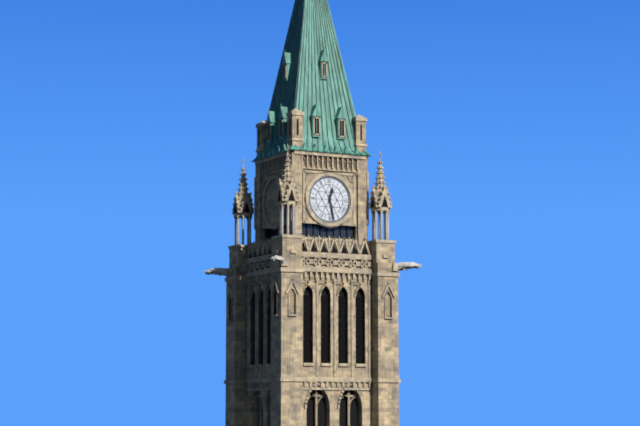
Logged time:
12,28
